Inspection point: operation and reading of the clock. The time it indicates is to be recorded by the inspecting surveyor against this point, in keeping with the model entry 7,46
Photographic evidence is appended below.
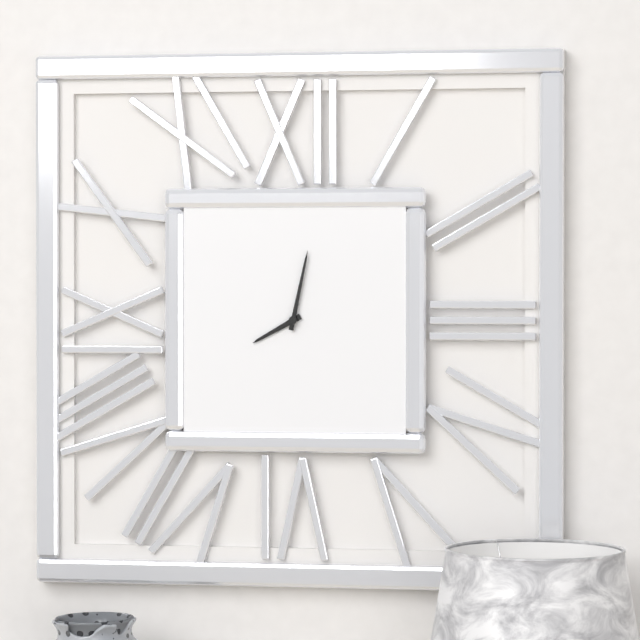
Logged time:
8,02
